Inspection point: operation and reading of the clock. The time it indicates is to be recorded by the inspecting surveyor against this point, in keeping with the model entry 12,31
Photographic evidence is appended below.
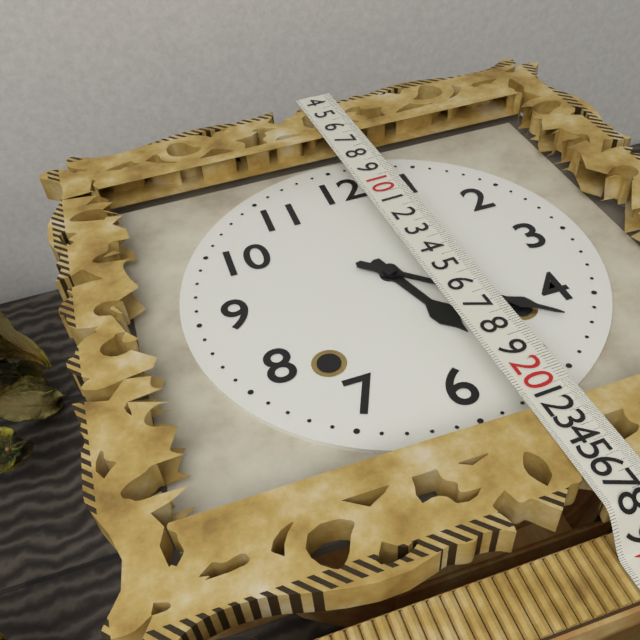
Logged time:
5,22
